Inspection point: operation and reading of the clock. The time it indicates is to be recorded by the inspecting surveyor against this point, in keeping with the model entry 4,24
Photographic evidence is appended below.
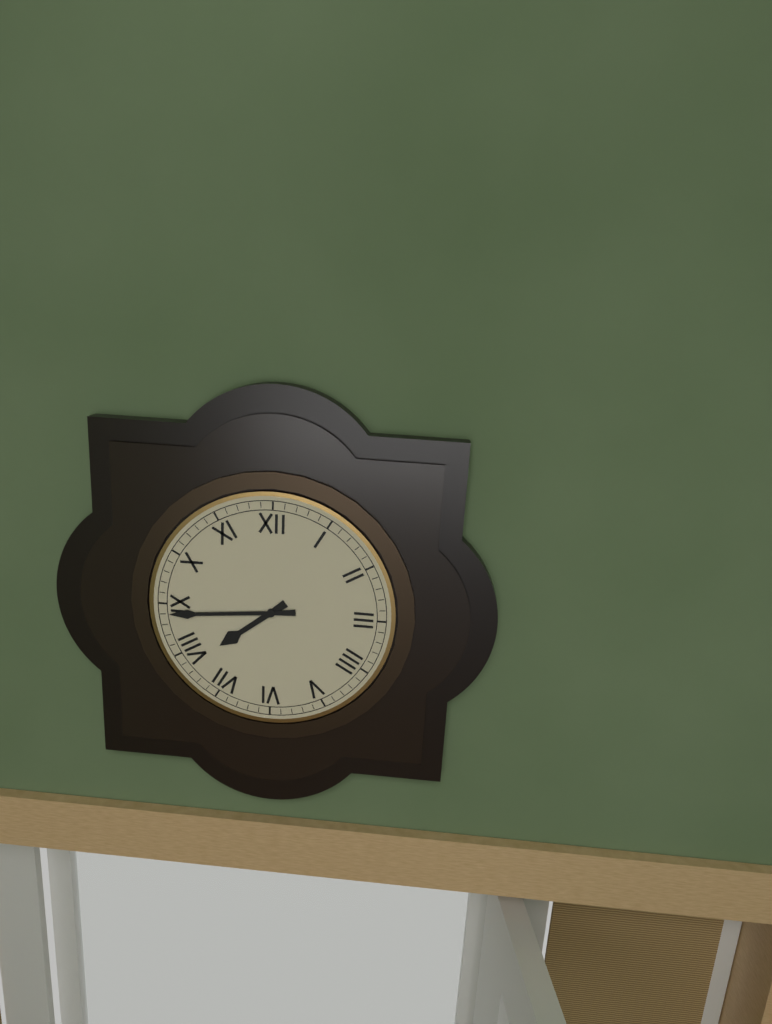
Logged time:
7,44
